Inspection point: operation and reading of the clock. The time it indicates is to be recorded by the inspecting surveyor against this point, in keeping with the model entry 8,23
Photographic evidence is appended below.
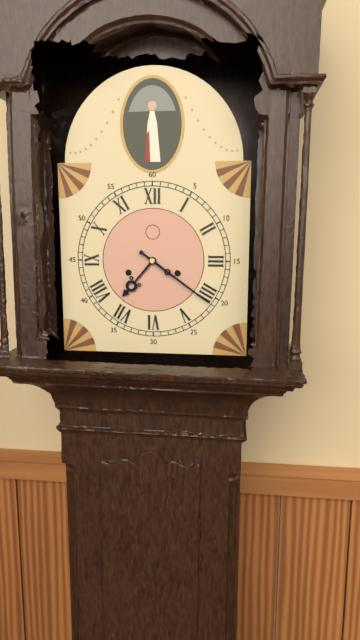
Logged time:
7,21
